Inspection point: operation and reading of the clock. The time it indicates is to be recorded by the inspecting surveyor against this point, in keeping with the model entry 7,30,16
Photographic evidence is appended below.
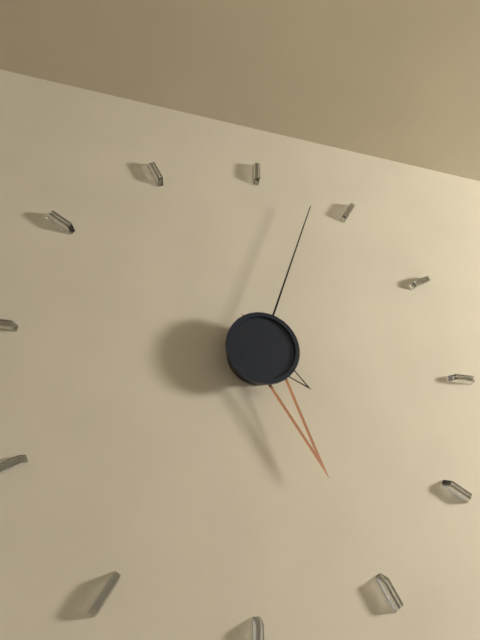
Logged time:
5,03,21
